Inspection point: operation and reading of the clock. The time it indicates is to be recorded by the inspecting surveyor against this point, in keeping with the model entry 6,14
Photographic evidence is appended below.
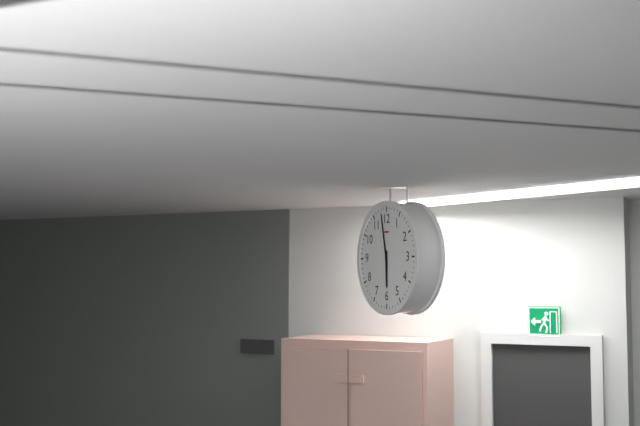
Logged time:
5,58
